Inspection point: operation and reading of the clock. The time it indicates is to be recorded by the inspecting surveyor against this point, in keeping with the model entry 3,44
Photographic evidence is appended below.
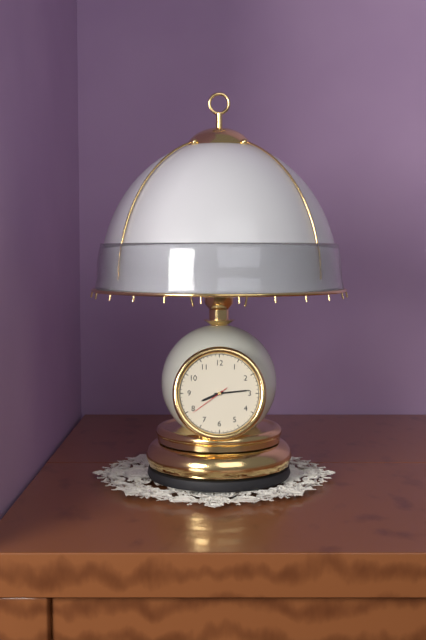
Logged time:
8,14
